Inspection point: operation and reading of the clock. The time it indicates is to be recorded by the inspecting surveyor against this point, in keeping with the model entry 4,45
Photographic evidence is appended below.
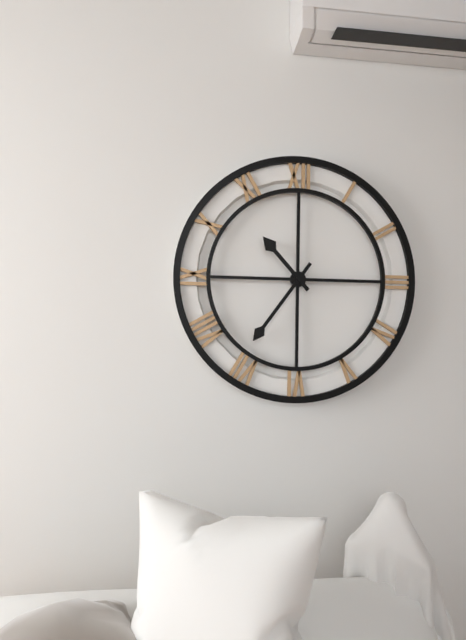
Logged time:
10,36
